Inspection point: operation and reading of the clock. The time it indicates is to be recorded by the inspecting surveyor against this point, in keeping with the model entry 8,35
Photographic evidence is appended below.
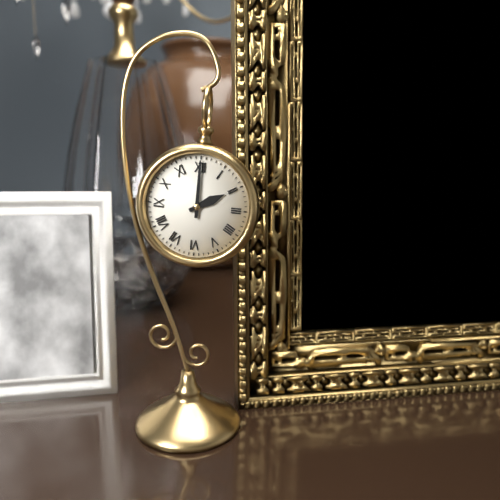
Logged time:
2,00
